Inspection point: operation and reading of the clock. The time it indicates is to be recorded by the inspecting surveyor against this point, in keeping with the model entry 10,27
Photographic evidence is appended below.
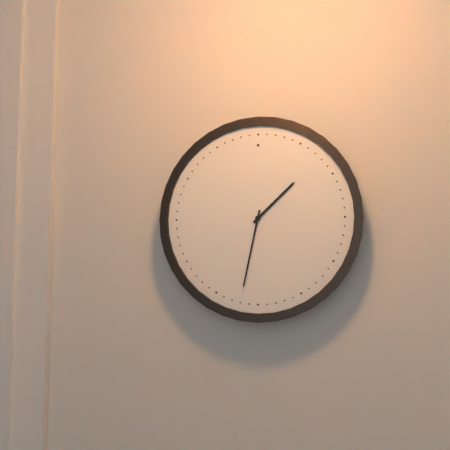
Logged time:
1,32
